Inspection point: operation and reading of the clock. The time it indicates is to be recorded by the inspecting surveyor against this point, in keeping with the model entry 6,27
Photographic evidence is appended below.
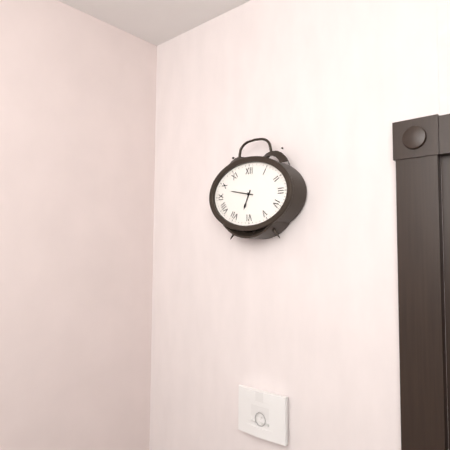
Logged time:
6,47
